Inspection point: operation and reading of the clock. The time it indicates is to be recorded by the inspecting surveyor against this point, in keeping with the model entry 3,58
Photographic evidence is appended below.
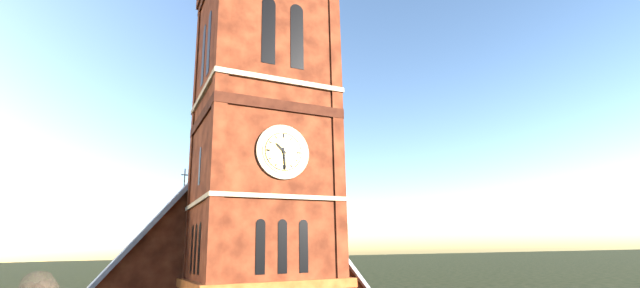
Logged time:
10,29
